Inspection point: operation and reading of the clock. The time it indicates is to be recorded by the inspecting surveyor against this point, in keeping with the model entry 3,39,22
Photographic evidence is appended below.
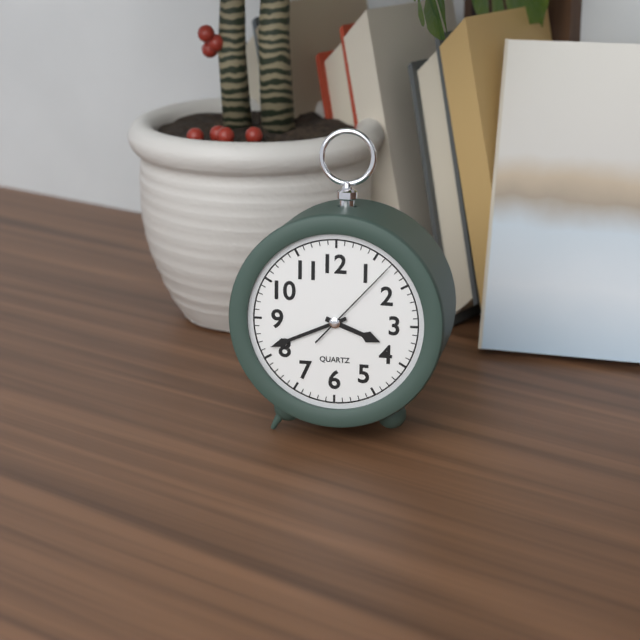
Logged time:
3,41,07
